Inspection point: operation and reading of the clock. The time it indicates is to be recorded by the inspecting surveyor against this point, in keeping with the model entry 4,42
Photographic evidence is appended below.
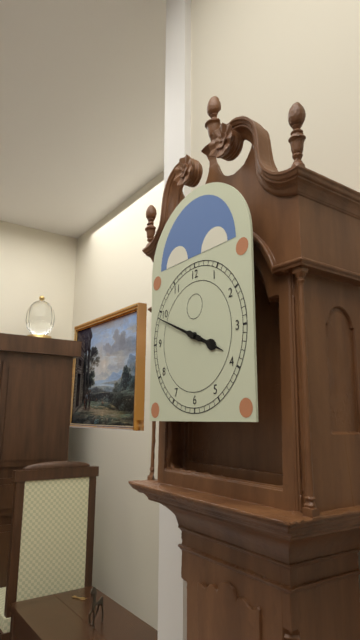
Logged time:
3,49
